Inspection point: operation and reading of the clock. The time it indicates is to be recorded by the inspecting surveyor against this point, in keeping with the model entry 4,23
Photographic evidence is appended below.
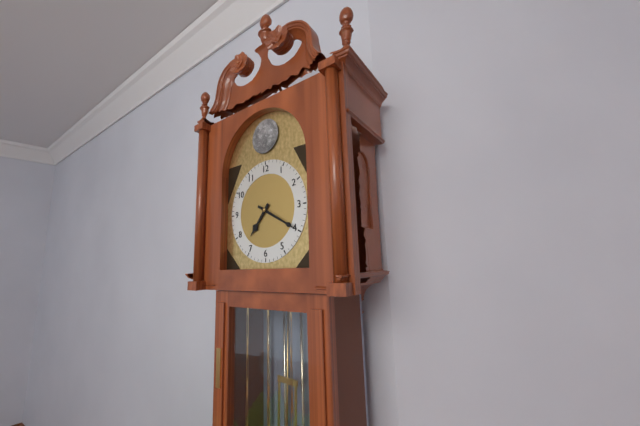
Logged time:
7,20
